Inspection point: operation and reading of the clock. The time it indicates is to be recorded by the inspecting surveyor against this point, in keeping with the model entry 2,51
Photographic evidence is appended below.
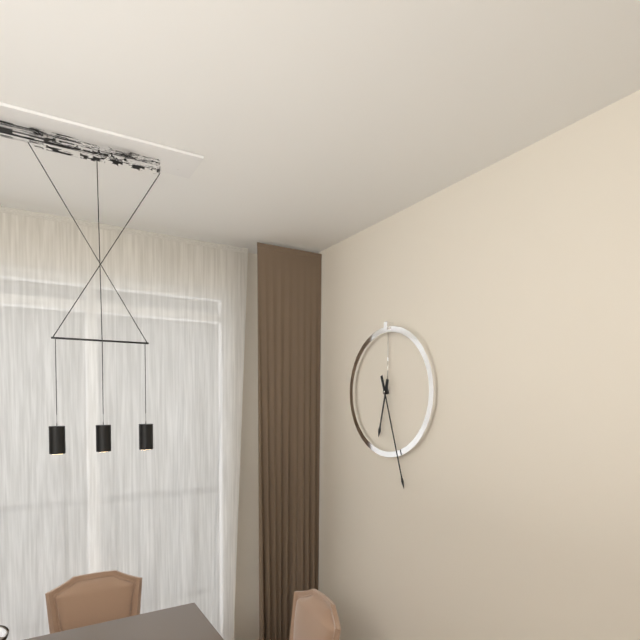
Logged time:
6,27
